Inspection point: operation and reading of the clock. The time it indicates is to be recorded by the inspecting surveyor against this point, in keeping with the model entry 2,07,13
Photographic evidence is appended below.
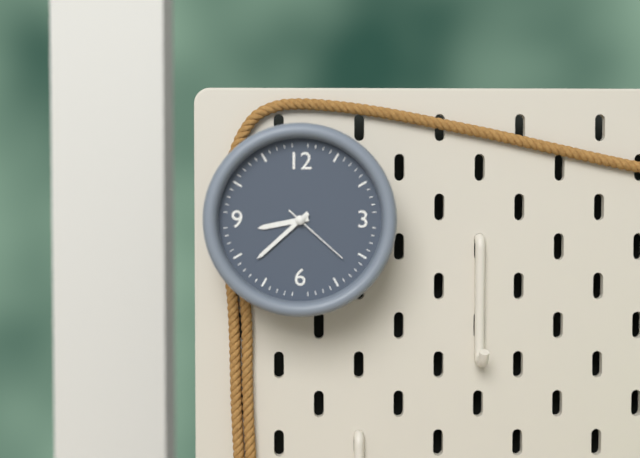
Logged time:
8,38,22
